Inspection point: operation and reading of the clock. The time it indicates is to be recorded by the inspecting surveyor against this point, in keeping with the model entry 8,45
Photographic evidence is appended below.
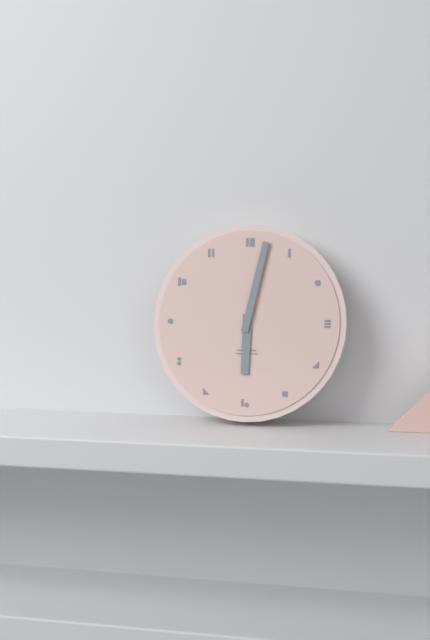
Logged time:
6,02
